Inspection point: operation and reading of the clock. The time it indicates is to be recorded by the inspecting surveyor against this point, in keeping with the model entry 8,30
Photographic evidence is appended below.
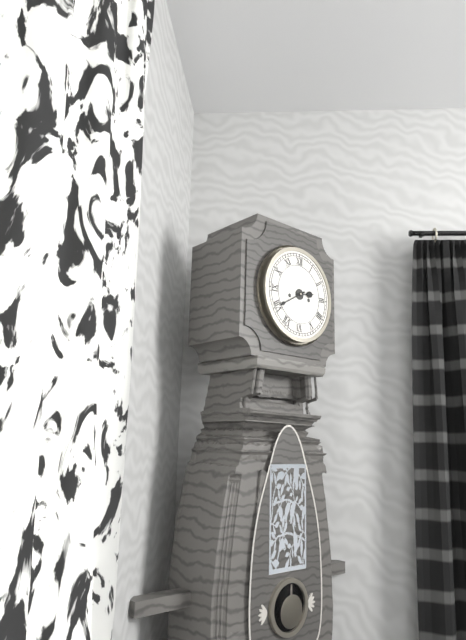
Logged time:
2,40
